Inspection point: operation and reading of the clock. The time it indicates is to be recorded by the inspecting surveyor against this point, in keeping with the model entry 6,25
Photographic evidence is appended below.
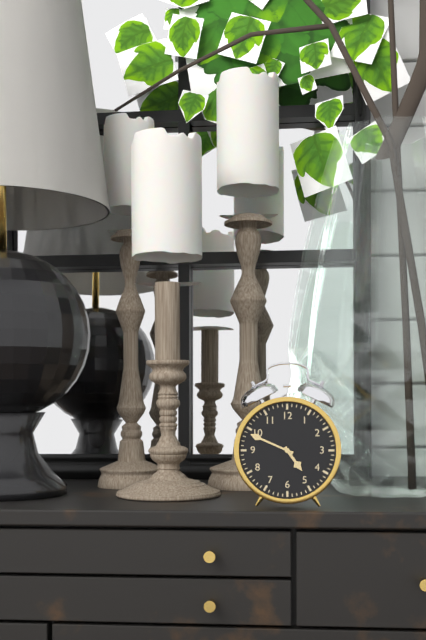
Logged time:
4,49
